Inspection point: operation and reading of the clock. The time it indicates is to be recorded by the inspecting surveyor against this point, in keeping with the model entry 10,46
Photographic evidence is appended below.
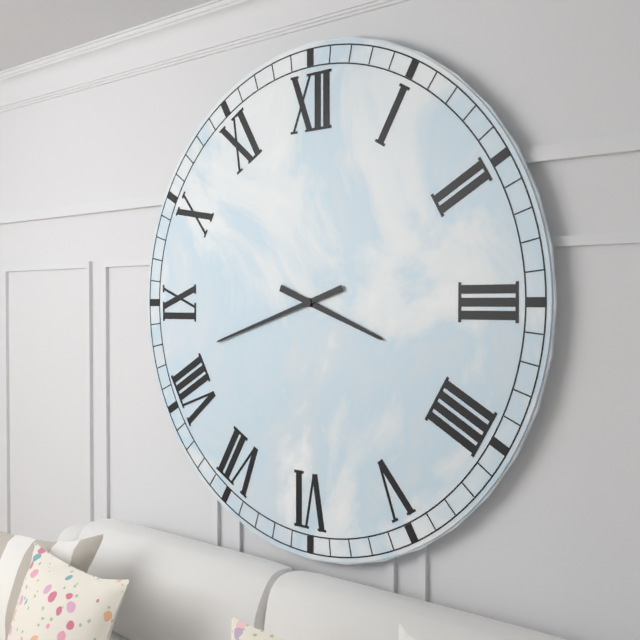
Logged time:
3,42
